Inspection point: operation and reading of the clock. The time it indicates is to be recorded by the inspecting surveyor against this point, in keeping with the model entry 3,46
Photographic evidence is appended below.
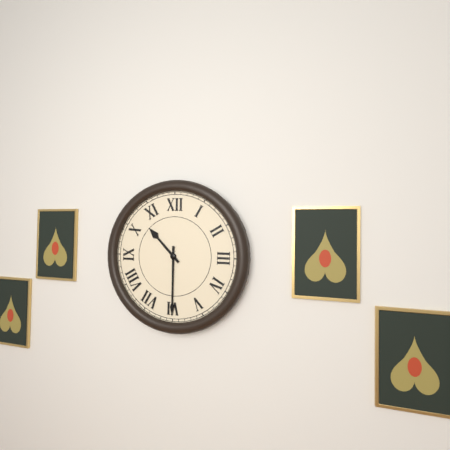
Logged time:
10,30
